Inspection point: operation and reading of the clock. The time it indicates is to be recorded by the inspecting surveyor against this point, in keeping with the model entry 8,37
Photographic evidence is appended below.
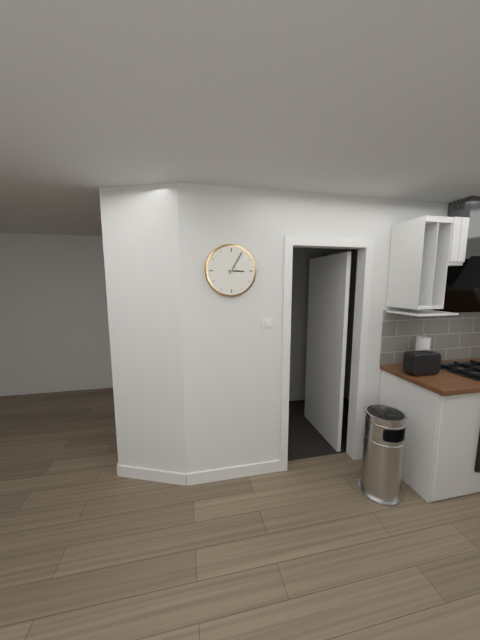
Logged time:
3,05
